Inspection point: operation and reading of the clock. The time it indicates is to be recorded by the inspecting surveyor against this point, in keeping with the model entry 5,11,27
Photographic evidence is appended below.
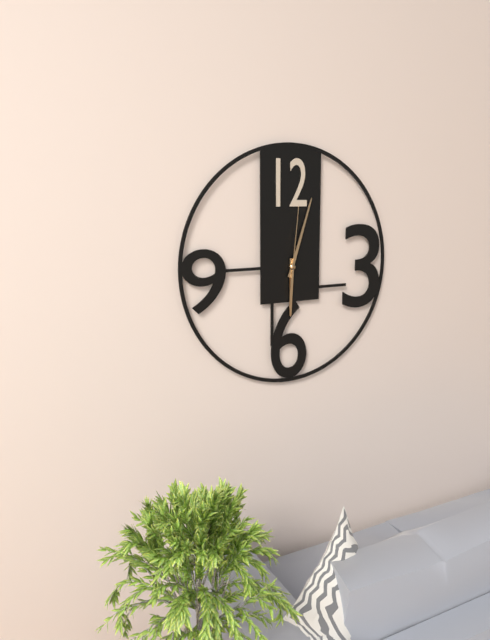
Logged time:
6,03,01
